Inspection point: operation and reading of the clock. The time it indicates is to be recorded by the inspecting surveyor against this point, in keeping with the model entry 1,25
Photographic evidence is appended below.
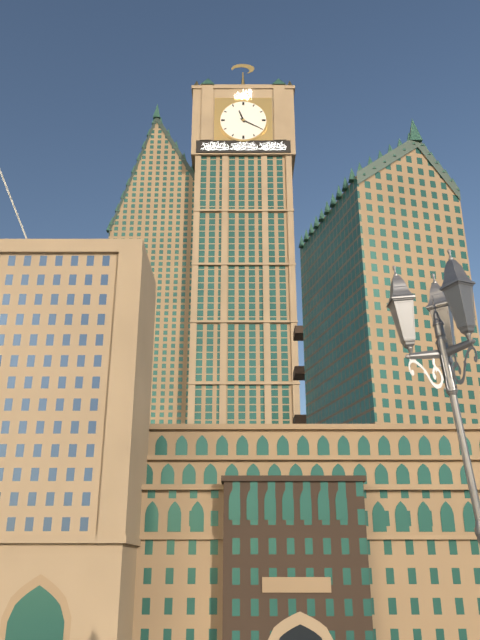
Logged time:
11,20
